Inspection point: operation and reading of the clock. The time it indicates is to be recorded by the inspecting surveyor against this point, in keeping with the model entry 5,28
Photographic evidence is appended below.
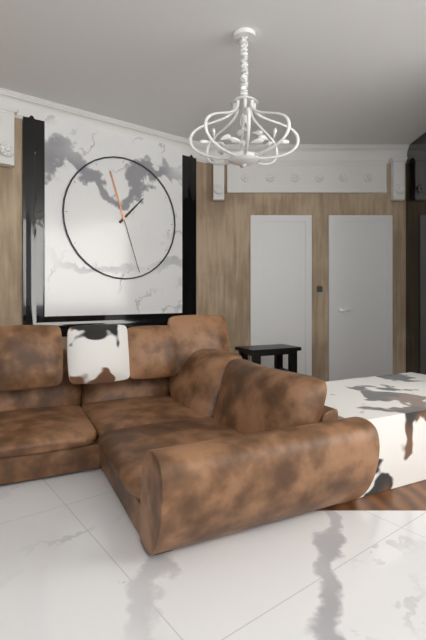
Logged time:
1,27
